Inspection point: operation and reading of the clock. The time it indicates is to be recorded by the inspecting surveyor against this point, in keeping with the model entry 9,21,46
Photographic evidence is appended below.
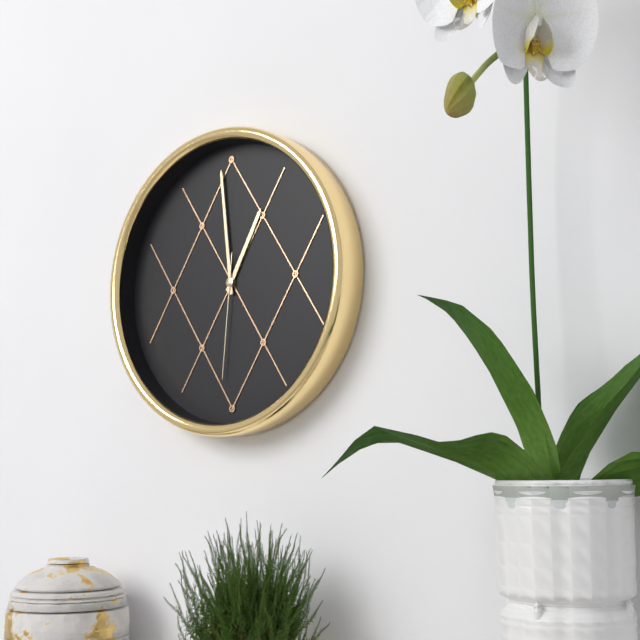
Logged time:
12,59,31
